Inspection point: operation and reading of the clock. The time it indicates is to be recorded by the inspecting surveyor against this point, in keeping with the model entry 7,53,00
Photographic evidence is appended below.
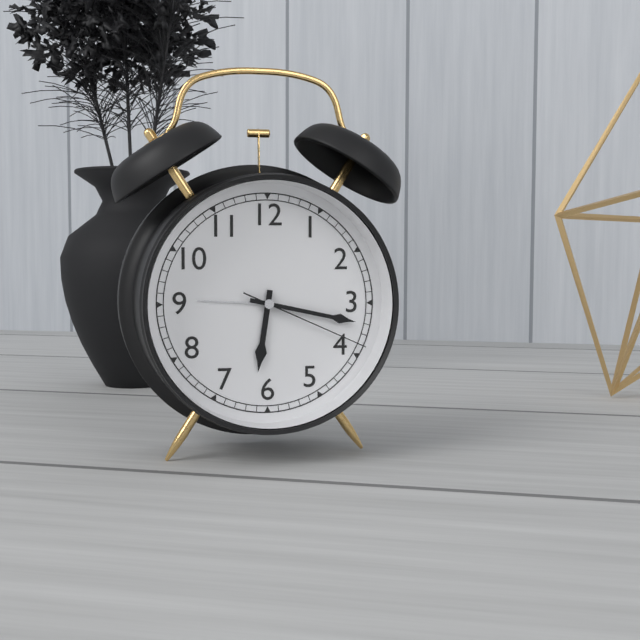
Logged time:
6,17,19
